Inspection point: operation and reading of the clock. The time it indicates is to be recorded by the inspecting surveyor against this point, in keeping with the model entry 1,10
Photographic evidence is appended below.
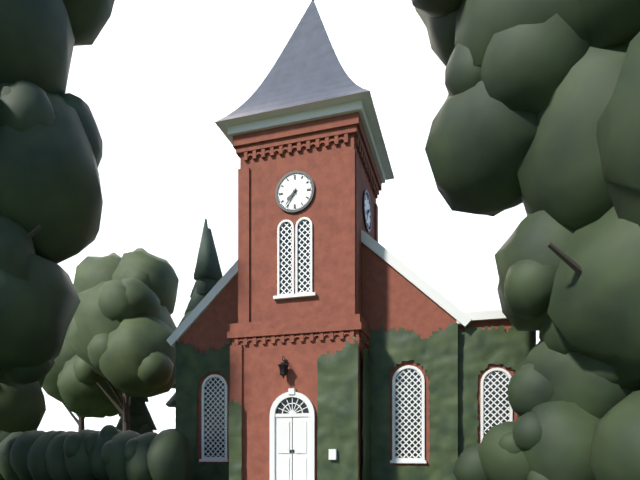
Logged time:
7,36
